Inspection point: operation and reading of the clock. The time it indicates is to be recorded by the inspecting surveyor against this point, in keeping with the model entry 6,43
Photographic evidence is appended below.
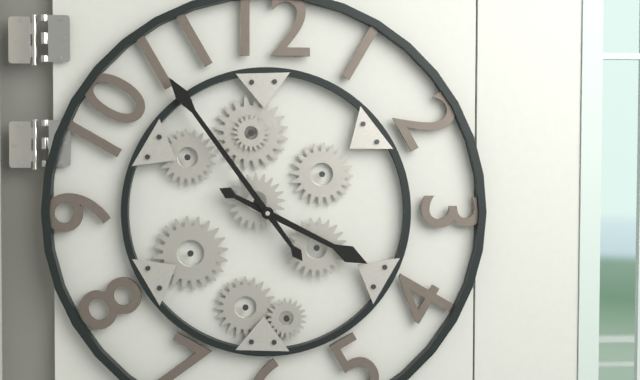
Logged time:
3,54
